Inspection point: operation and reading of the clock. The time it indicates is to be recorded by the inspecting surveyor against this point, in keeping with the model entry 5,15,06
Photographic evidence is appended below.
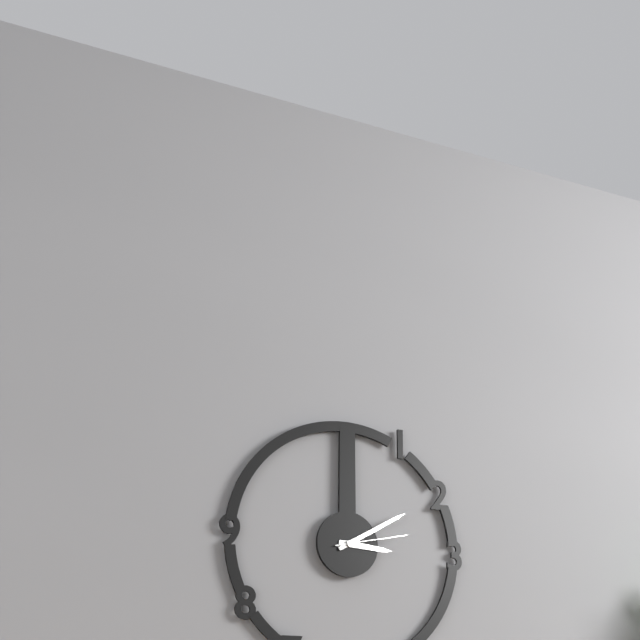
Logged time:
3,10,13
